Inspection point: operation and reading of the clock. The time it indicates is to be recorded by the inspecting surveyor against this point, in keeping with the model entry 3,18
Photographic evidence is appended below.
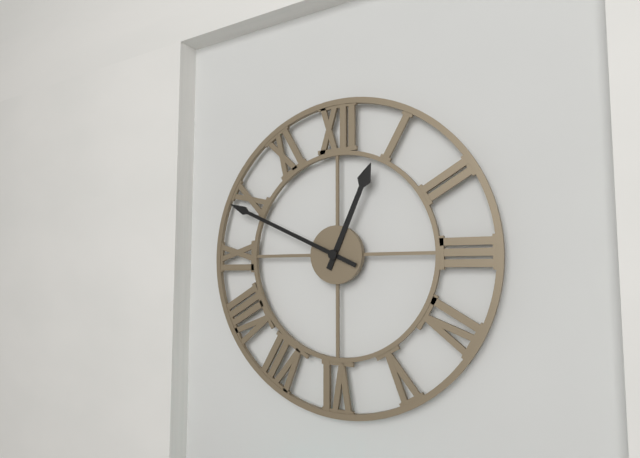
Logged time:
12,49
